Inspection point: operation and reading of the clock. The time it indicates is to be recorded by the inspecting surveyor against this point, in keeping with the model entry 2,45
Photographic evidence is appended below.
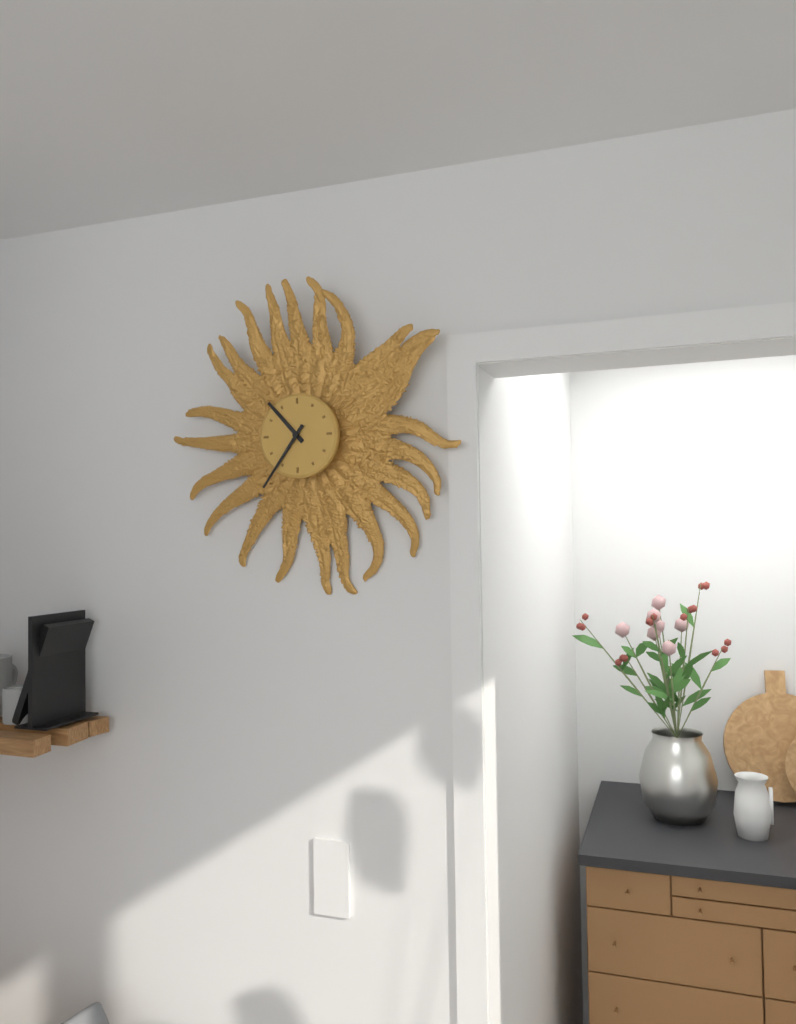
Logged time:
10,36
